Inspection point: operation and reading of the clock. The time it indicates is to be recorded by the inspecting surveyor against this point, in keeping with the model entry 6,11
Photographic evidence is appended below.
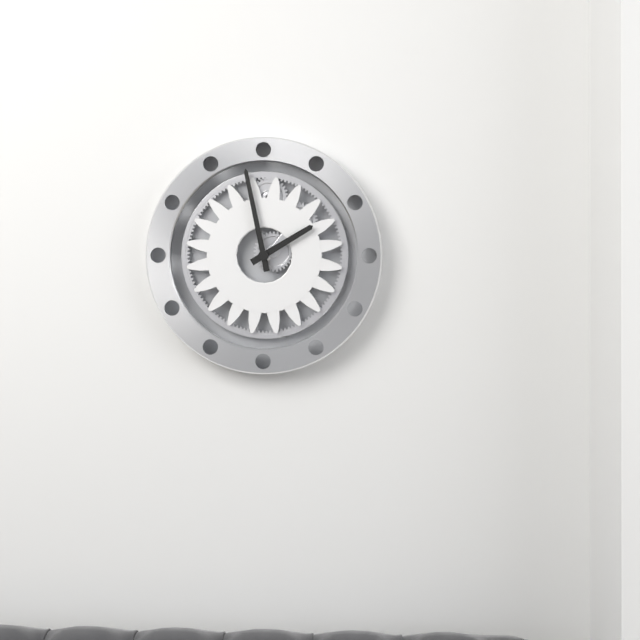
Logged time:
1,58
